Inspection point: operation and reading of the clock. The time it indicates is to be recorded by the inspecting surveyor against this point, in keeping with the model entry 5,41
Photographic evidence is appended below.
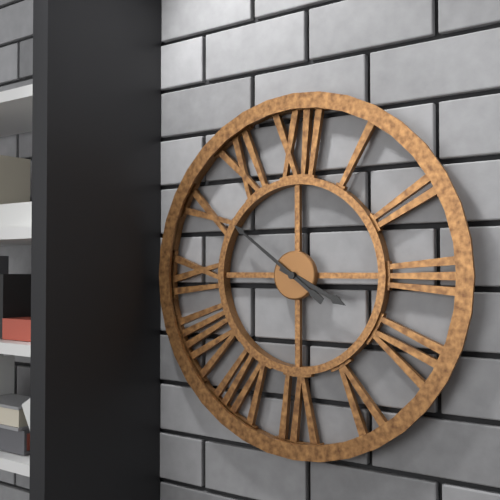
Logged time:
3,51
